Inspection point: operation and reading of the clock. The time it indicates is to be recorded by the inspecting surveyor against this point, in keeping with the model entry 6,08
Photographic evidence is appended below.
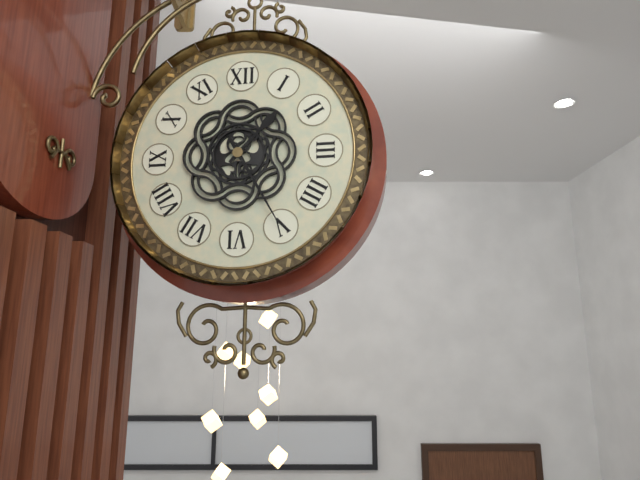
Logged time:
1,25
